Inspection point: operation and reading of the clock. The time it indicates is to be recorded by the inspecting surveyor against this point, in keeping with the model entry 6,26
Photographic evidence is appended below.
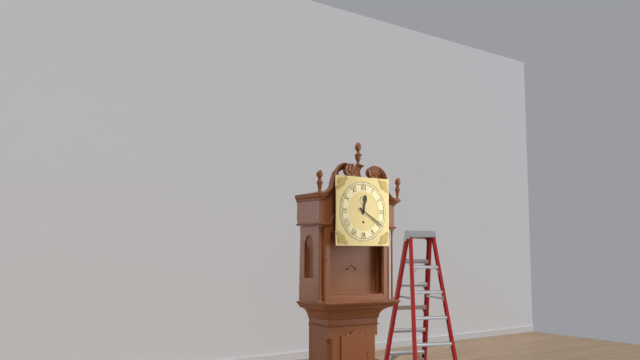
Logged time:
12,20
